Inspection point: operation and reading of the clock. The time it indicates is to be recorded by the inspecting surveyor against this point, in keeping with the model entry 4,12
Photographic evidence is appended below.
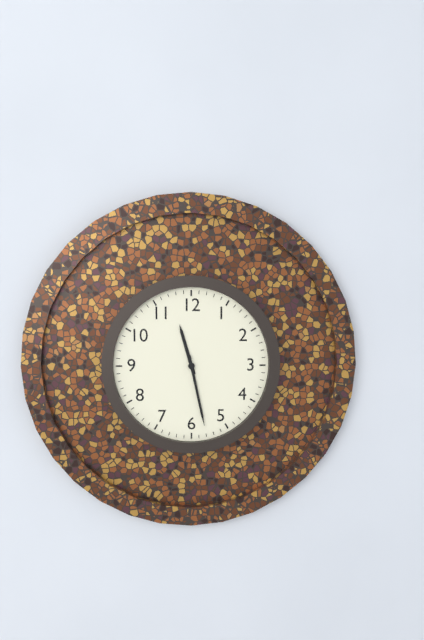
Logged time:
11,28
